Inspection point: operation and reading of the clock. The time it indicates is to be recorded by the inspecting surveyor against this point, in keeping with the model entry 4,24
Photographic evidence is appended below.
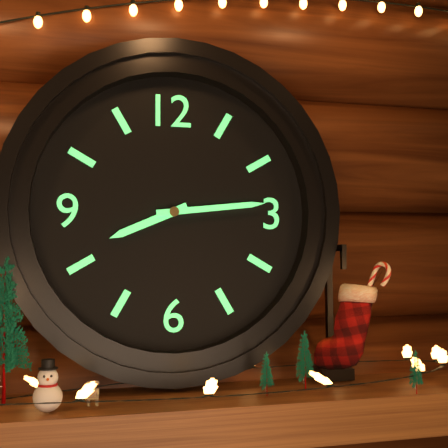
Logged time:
8,14
